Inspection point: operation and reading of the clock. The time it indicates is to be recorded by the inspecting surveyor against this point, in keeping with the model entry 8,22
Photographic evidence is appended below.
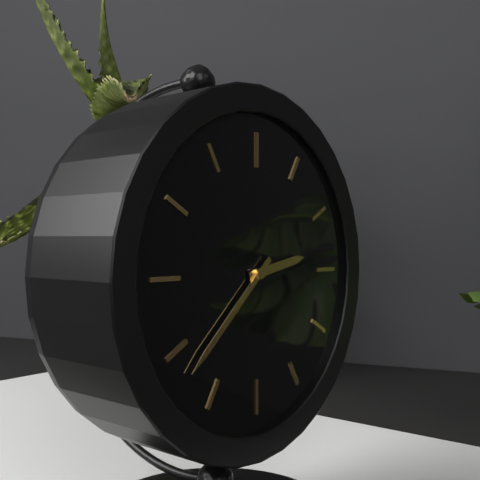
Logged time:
2,38
